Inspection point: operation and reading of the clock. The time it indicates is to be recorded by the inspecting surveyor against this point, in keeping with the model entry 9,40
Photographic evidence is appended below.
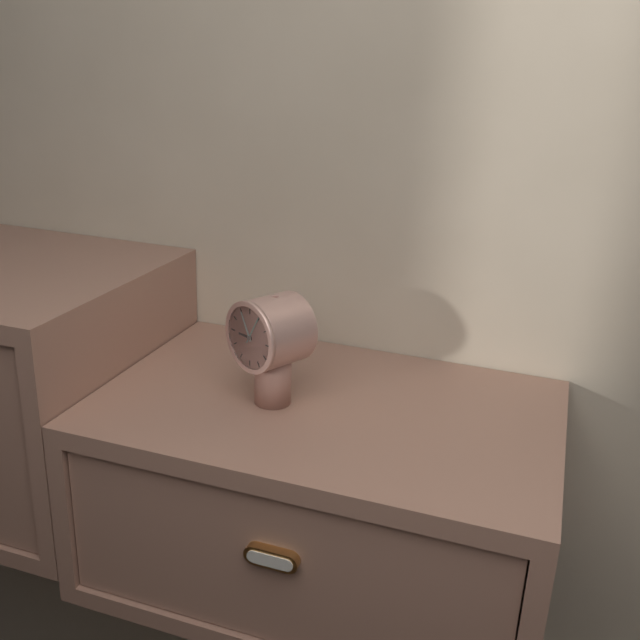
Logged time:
8,55
